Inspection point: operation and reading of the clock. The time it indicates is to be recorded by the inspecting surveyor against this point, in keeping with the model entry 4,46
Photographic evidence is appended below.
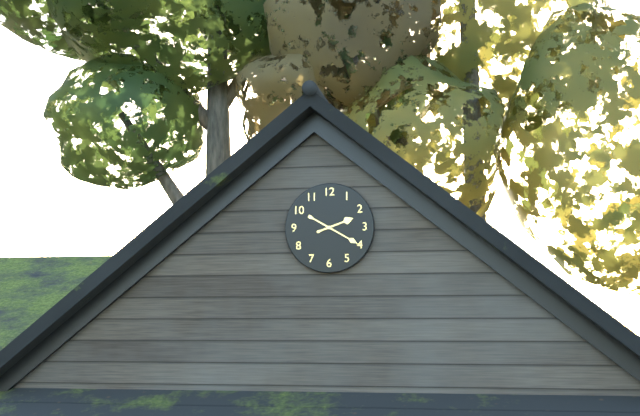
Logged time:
2,20
